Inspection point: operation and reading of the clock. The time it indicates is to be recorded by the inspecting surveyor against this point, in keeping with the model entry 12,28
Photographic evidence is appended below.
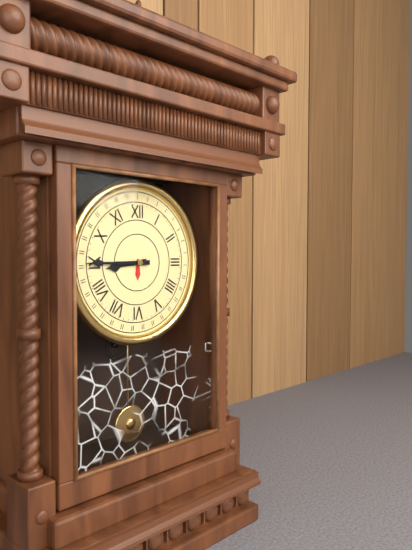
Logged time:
8,45
